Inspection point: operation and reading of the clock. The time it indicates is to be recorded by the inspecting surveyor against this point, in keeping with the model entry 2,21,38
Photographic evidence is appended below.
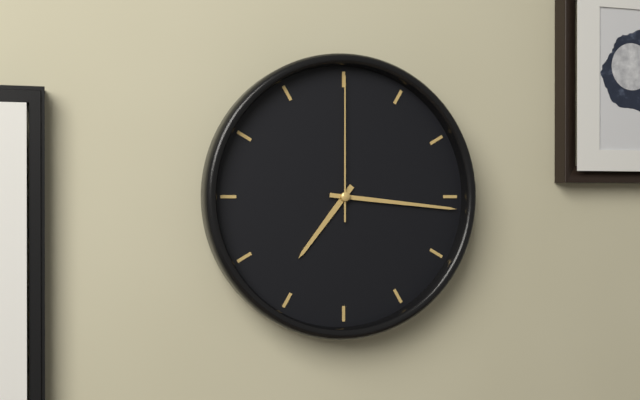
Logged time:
7,16,00
